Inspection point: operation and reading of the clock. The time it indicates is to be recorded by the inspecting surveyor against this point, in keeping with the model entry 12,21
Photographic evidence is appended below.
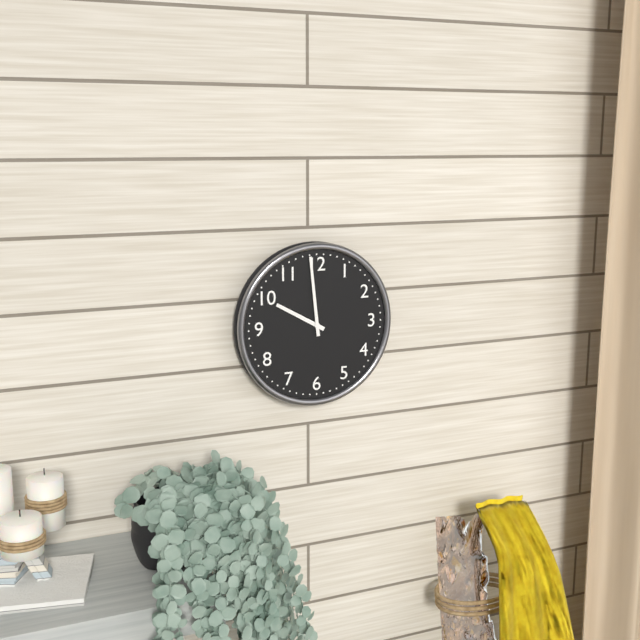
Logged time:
9,59
